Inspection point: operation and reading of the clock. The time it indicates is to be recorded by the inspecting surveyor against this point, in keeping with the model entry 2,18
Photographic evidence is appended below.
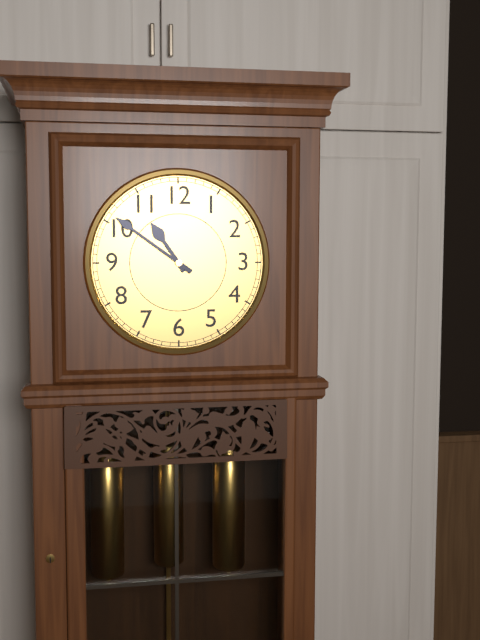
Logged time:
10,51
